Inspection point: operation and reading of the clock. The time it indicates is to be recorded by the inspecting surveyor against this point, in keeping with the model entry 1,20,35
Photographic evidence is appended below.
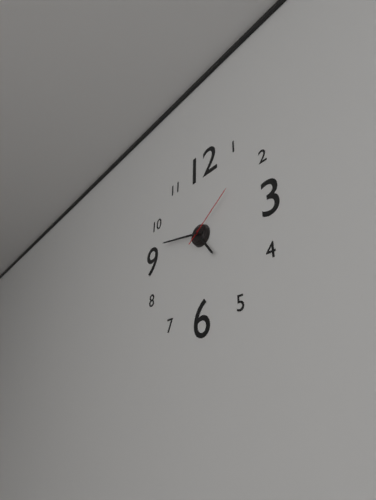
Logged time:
4,47,09
